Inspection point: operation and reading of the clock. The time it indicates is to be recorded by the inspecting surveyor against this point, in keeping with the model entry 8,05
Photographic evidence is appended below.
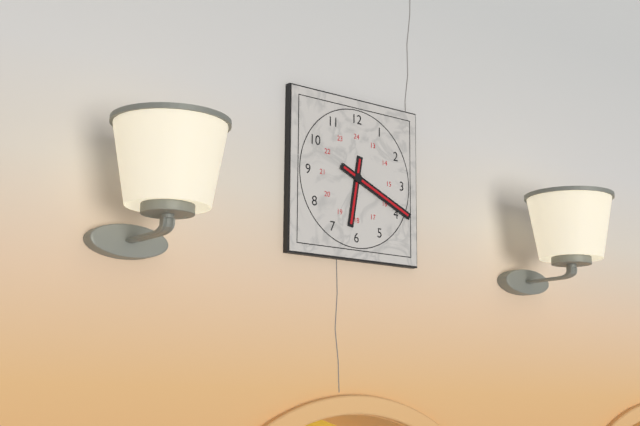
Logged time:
6,19
